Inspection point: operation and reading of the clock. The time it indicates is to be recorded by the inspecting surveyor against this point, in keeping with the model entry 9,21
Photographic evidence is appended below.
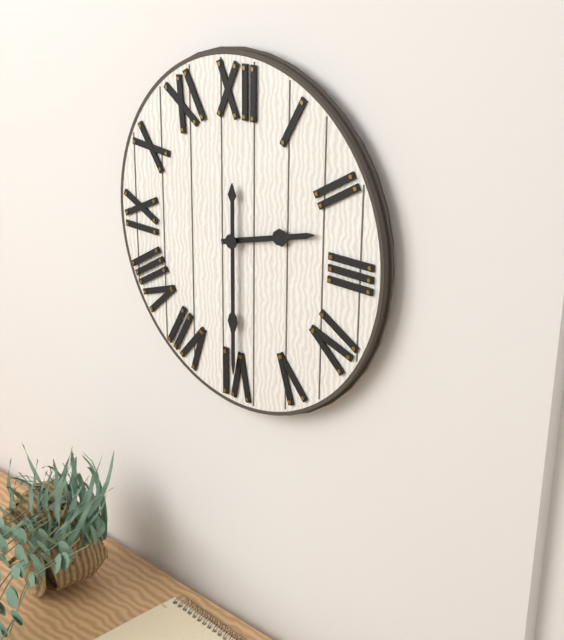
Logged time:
2,30
